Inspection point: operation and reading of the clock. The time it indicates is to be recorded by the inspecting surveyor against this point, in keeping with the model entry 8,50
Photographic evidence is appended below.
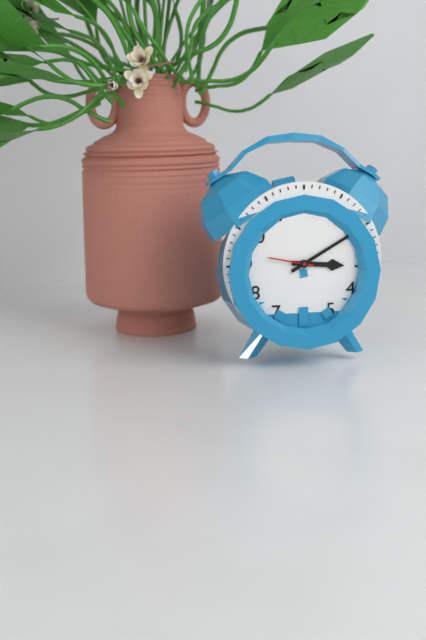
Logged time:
3,10
